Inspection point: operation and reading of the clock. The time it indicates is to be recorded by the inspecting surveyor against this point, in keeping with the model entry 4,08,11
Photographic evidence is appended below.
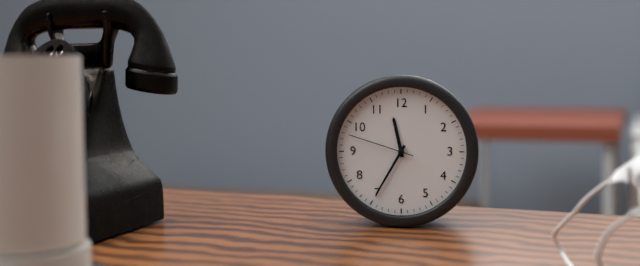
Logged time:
11,35,48
